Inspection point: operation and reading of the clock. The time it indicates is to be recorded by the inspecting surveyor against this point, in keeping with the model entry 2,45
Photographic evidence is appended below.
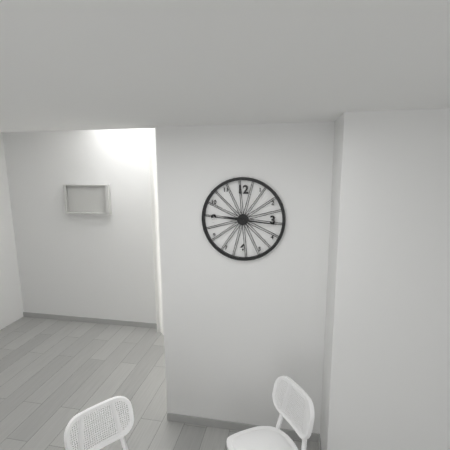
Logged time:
9,16
